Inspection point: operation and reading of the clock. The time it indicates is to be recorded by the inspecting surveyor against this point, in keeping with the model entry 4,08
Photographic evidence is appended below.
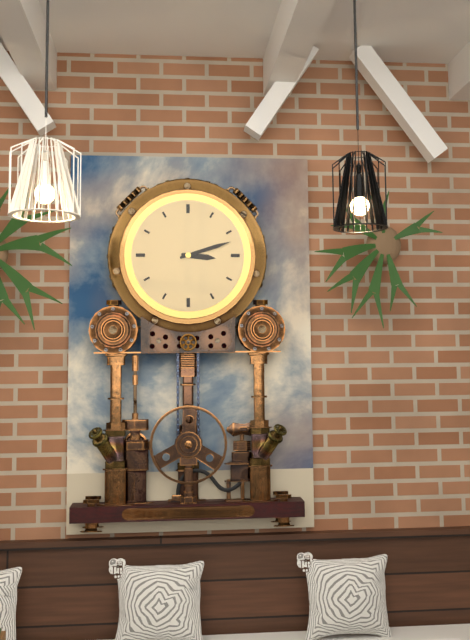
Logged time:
3,12
